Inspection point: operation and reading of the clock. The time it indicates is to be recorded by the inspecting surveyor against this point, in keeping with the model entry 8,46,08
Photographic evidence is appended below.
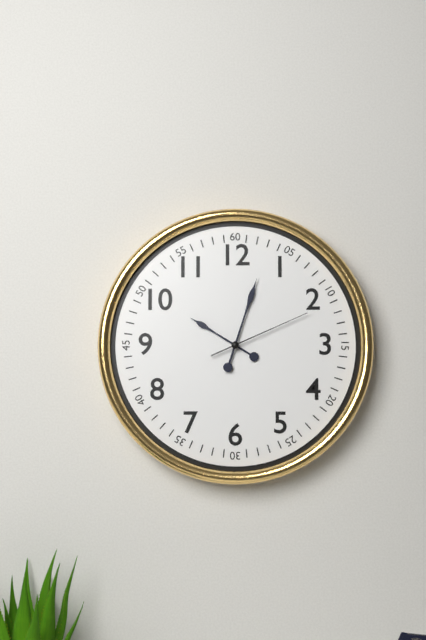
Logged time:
10,03,11
